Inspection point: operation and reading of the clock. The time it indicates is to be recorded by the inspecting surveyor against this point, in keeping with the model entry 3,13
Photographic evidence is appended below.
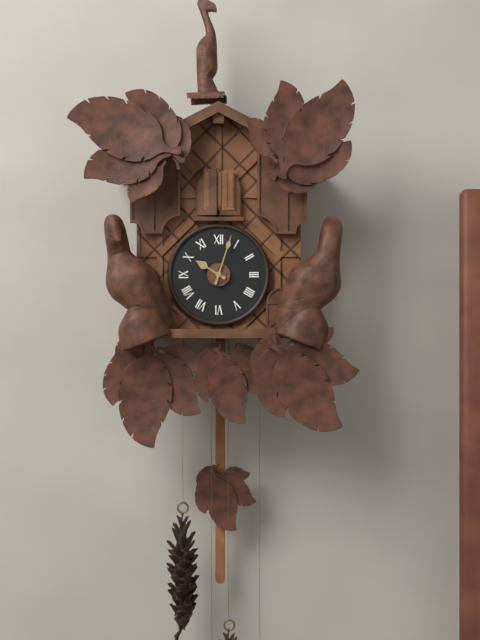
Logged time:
10,03
